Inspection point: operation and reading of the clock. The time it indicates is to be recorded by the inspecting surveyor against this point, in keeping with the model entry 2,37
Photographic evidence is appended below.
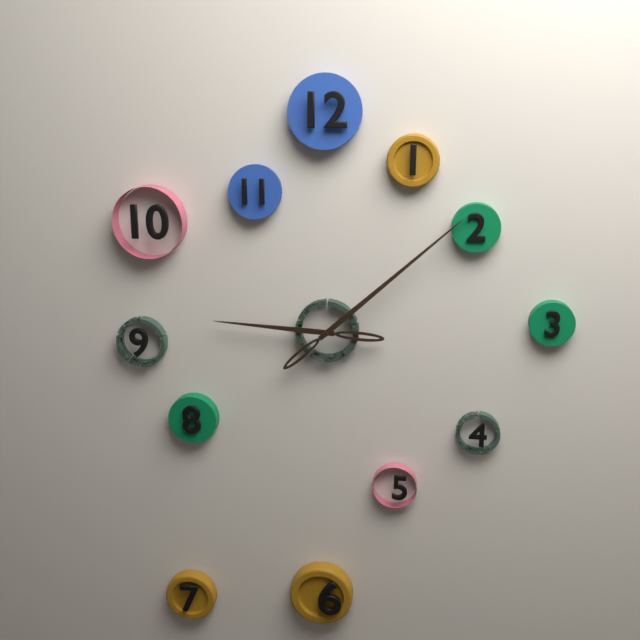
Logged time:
9,08
